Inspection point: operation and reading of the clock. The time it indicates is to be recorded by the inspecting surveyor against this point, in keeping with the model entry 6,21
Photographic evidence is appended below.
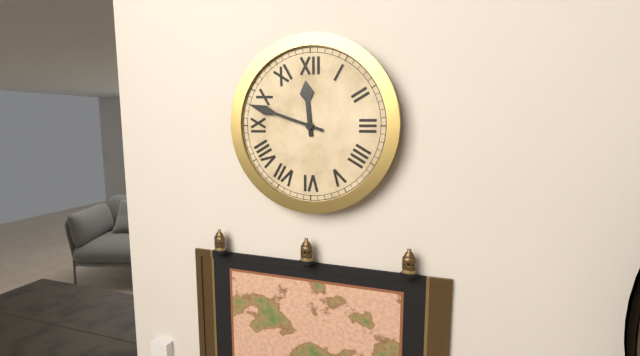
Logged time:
11,48
